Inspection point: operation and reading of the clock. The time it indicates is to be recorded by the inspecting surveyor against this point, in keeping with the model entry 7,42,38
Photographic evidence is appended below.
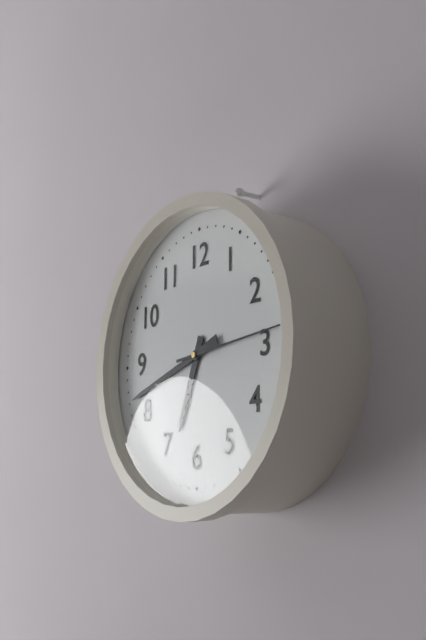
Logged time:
6,42,14
